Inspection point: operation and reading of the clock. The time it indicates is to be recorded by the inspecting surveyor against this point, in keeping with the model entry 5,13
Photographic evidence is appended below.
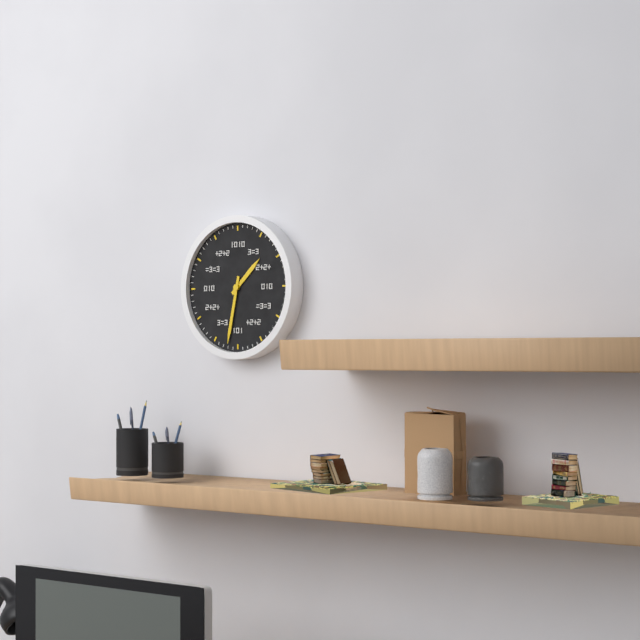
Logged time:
1,32
